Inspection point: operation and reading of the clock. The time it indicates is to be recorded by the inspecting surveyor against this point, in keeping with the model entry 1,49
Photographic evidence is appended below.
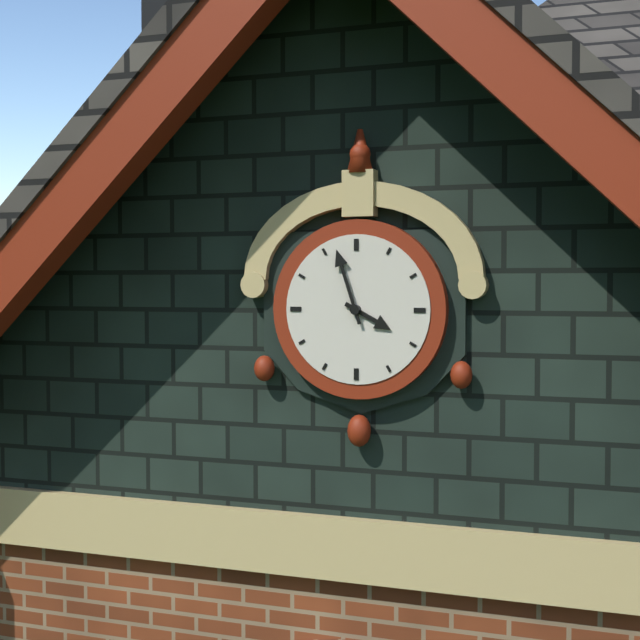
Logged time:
3,57
